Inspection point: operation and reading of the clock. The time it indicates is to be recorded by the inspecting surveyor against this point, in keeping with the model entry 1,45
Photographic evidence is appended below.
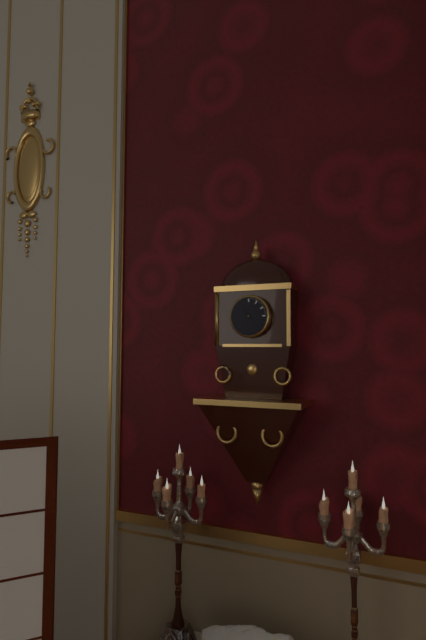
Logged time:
10,50
